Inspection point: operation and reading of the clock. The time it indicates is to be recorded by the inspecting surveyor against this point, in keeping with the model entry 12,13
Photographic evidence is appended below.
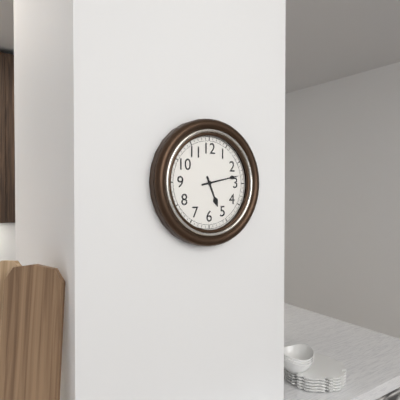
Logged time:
5,13
